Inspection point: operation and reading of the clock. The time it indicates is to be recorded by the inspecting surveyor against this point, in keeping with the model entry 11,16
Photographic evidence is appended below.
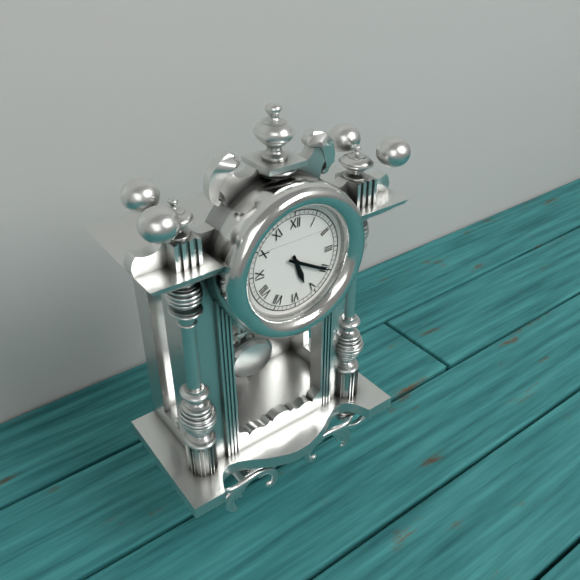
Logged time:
5,20
